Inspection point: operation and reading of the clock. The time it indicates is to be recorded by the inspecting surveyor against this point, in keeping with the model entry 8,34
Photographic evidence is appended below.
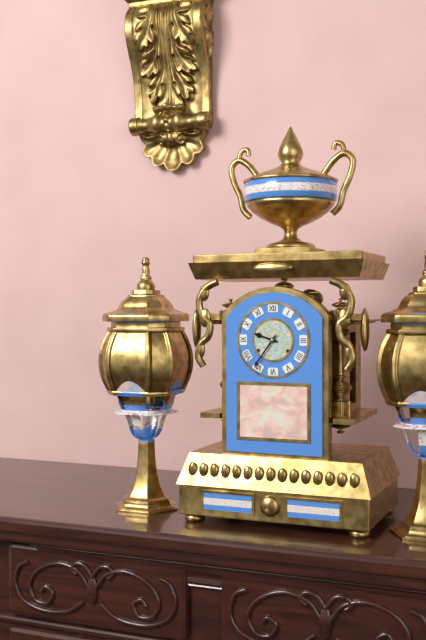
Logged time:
9,36
